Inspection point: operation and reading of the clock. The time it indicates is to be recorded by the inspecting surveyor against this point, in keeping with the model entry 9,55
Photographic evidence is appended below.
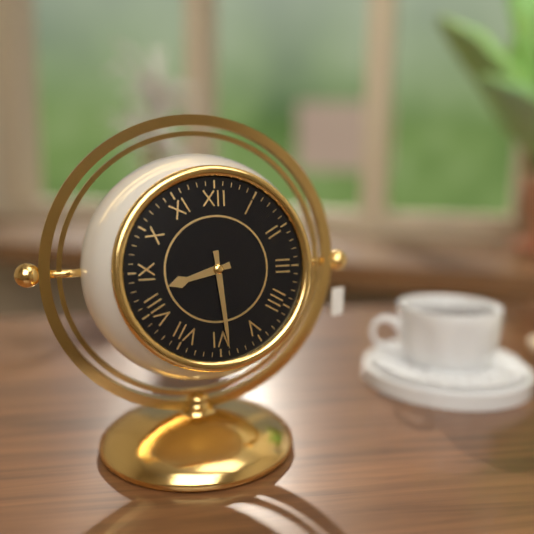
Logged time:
8,29
